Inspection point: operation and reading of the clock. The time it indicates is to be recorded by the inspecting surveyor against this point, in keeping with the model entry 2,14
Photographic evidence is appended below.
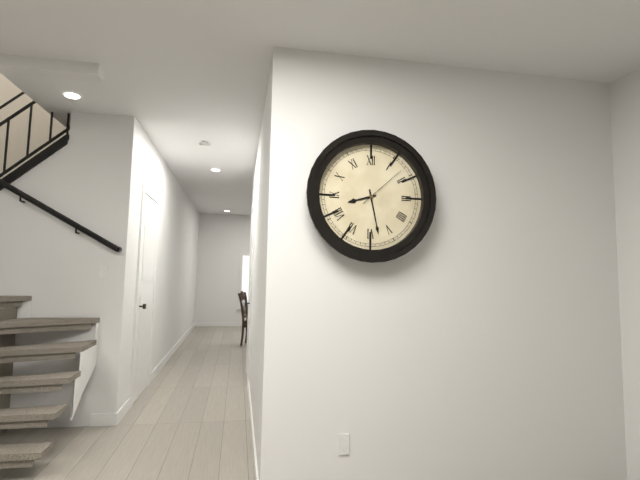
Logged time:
8,28
